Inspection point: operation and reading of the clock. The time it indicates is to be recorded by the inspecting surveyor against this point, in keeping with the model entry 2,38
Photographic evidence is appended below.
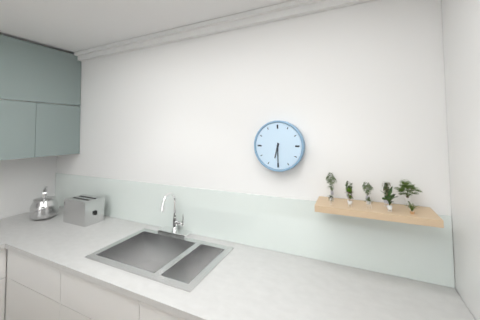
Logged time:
6,30
